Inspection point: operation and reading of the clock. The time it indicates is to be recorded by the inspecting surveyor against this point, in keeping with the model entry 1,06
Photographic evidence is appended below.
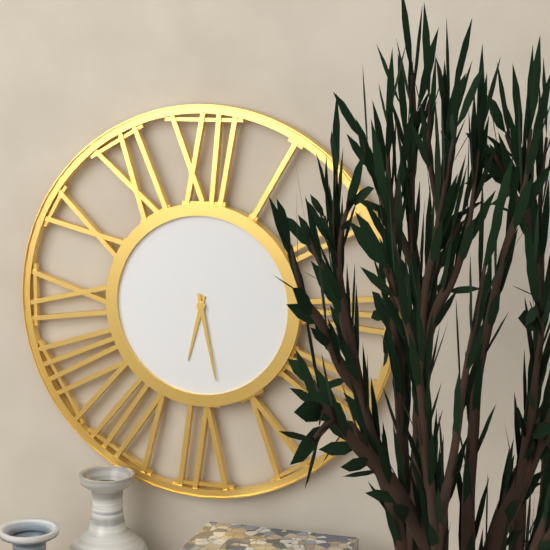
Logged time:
6,28
